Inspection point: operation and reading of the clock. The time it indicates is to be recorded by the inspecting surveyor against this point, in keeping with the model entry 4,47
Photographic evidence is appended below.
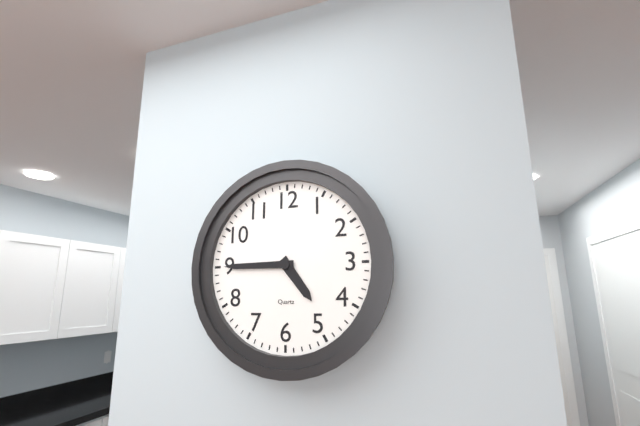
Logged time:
4,45
